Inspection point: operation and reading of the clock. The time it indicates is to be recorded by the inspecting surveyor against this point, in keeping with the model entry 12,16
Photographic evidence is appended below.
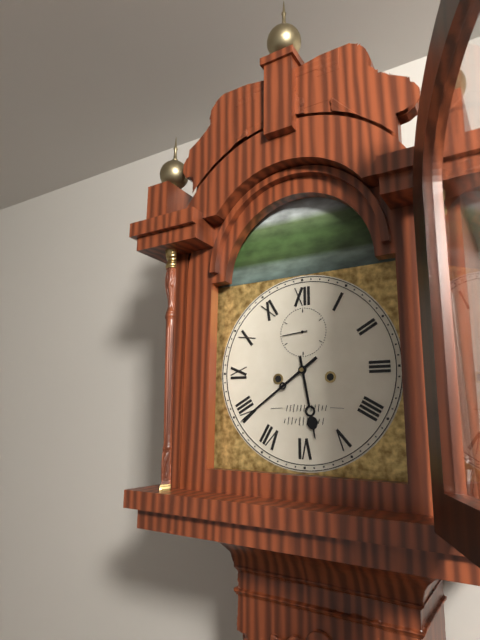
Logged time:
5,39
